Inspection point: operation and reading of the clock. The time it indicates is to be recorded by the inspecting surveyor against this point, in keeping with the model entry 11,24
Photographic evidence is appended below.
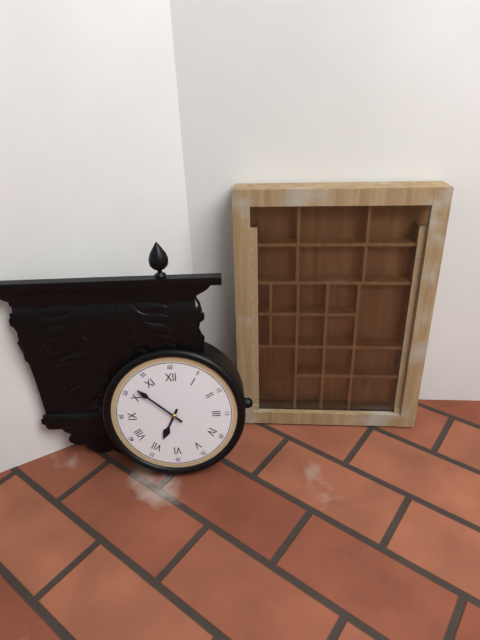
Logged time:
6,52
